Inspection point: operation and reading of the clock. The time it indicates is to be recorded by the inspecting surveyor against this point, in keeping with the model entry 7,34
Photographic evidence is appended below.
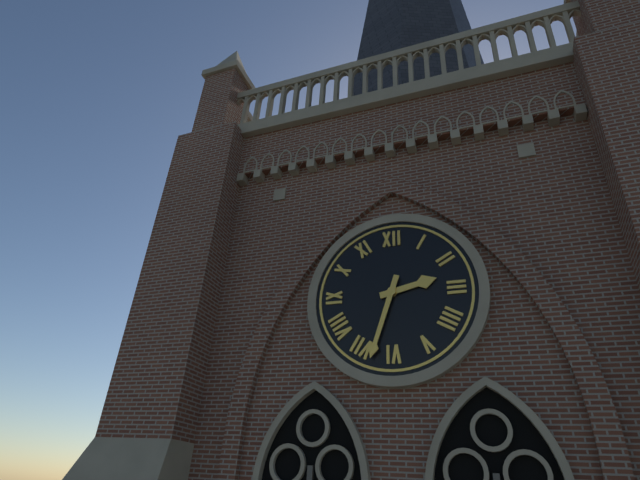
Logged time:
2,33
